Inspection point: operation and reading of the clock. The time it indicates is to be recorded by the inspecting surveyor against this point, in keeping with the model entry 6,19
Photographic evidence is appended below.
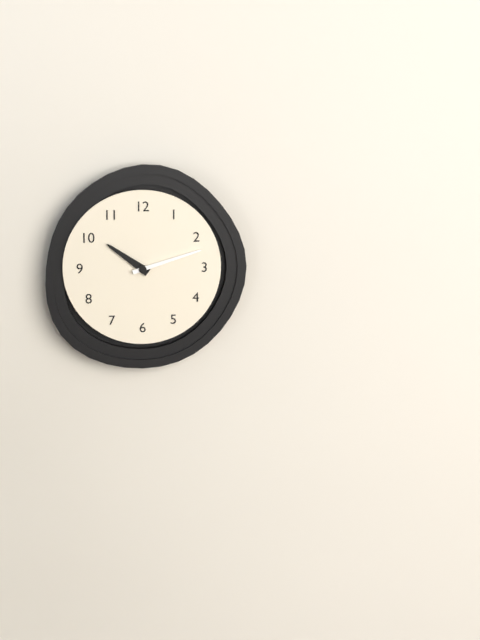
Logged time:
10,12
